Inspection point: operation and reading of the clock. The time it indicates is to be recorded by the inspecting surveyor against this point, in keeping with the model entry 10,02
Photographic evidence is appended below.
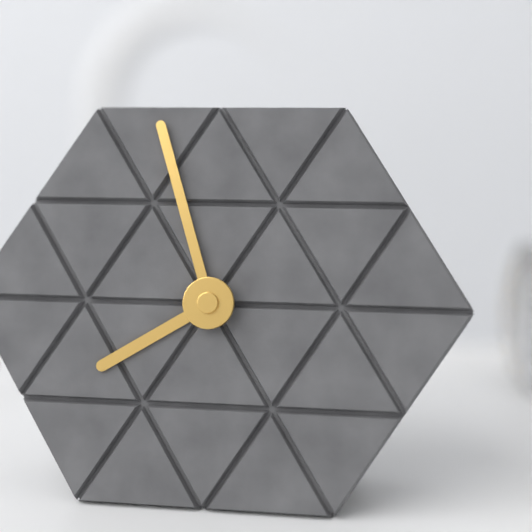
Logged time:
7,57
